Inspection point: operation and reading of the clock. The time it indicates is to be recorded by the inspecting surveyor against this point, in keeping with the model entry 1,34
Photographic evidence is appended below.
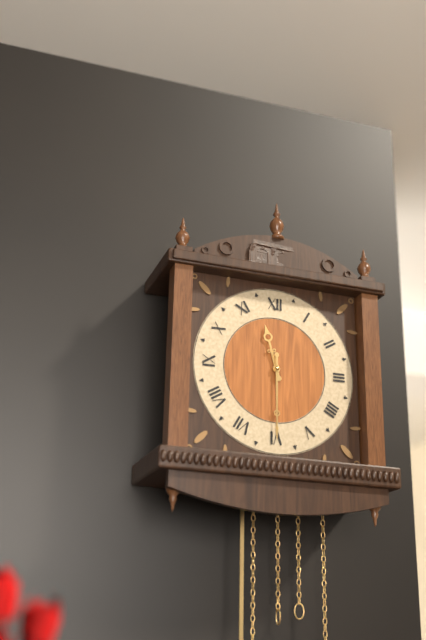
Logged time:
11,30
